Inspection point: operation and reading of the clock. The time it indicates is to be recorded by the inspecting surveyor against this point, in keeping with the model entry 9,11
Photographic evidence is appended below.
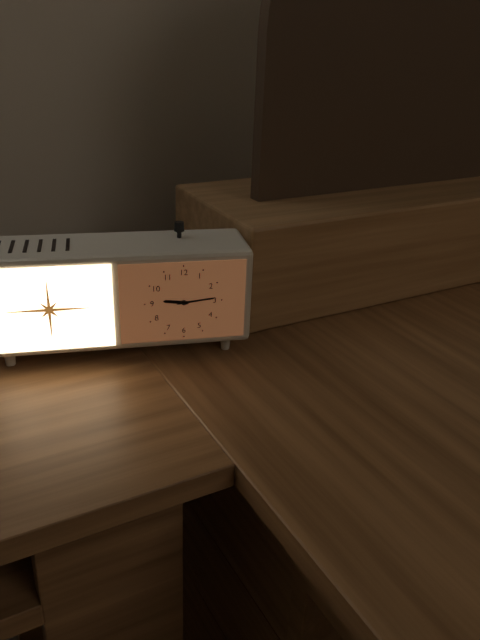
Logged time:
9,14
